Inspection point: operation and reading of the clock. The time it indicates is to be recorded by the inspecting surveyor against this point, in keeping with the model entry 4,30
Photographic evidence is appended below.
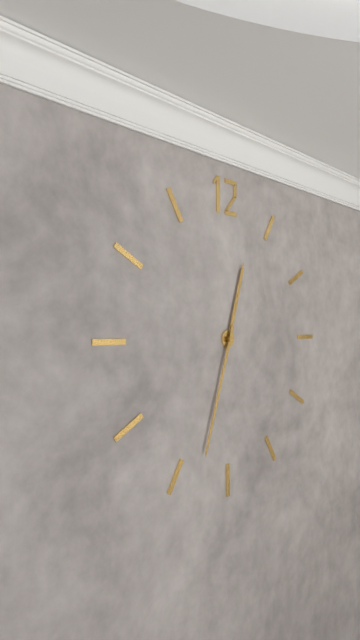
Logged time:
12,33
